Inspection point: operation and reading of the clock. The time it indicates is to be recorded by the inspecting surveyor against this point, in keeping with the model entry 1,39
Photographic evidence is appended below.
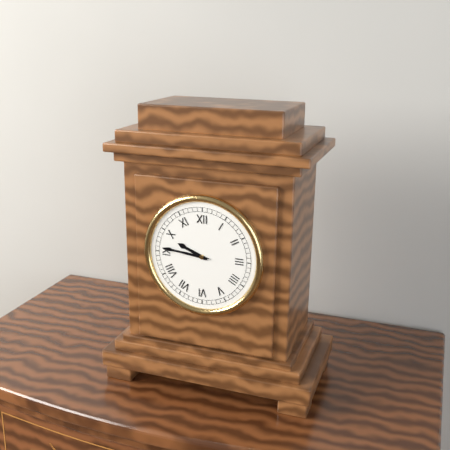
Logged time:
9,46
